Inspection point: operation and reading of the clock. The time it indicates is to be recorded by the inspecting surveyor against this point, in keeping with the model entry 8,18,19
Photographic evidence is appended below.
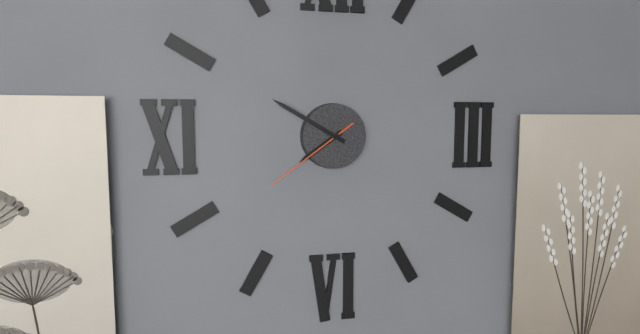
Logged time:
7,50,39
